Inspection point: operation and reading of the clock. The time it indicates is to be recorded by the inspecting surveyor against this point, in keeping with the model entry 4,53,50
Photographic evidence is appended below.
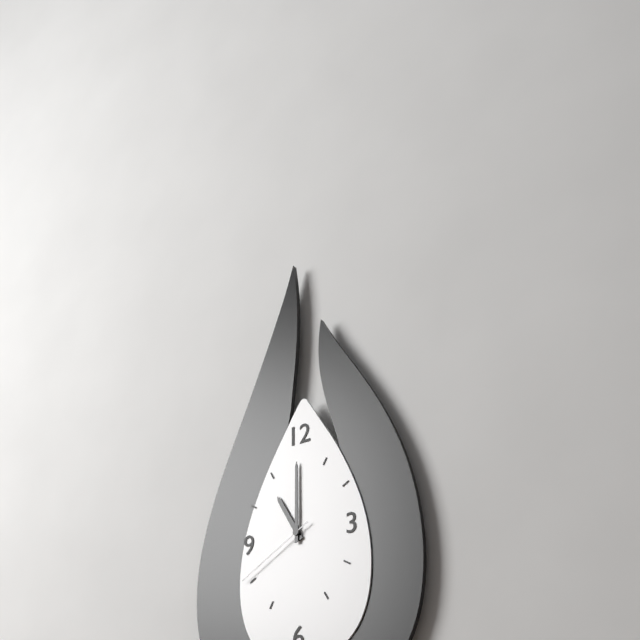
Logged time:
11,00,40
